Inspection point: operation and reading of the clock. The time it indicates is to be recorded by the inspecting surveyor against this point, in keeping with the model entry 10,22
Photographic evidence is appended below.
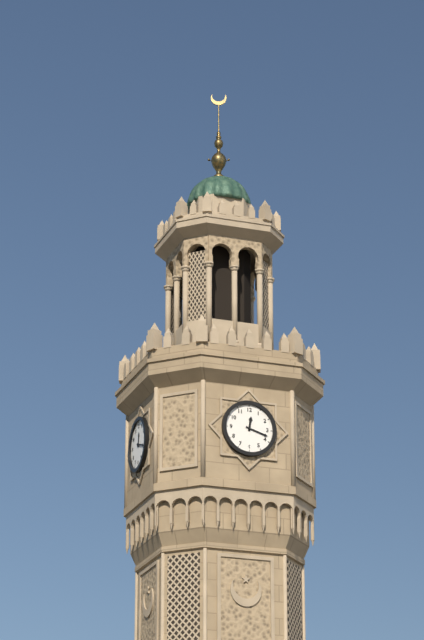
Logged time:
12,18
